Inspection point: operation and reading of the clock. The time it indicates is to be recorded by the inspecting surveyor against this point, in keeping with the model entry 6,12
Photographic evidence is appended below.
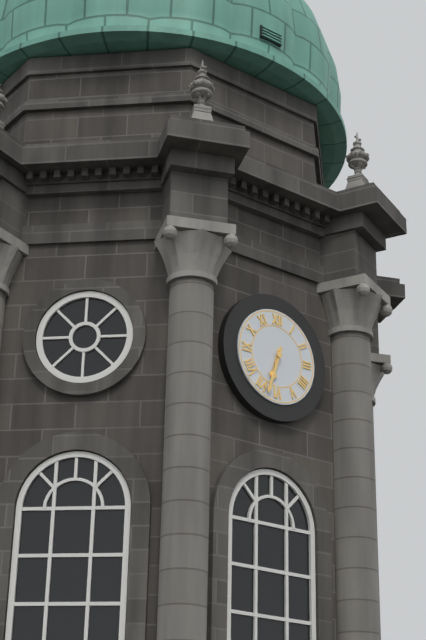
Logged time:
6,33
